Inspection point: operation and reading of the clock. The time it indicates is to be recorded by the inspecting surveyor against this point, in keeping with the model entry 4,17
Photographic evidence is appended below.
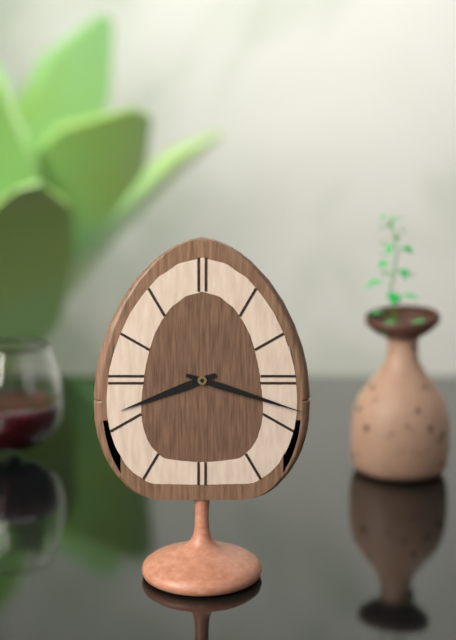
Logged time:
8,18
